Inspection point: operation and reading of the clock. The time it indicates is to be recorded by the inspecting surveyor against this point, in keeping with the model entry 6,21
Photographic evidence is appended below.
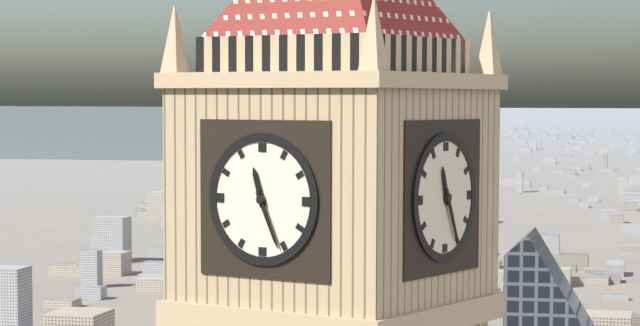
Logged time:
11,26
